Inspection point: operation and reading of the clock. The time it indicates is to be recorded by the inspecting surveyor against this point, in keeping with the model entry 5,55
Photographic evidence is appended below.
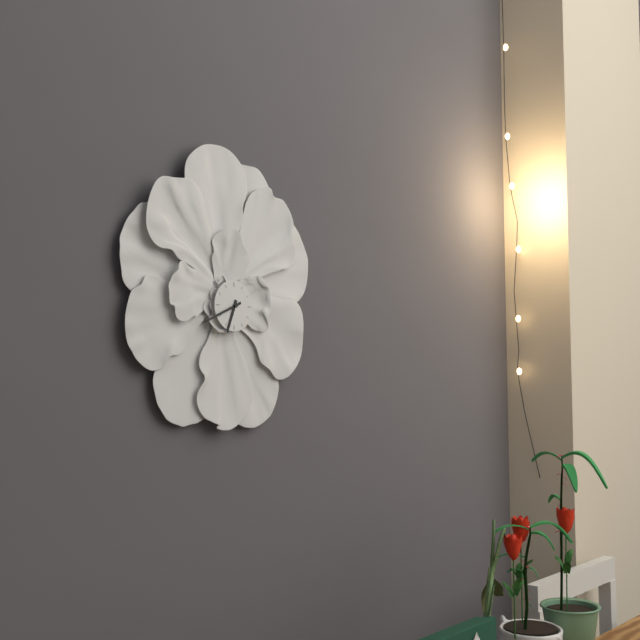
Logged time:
6,41
